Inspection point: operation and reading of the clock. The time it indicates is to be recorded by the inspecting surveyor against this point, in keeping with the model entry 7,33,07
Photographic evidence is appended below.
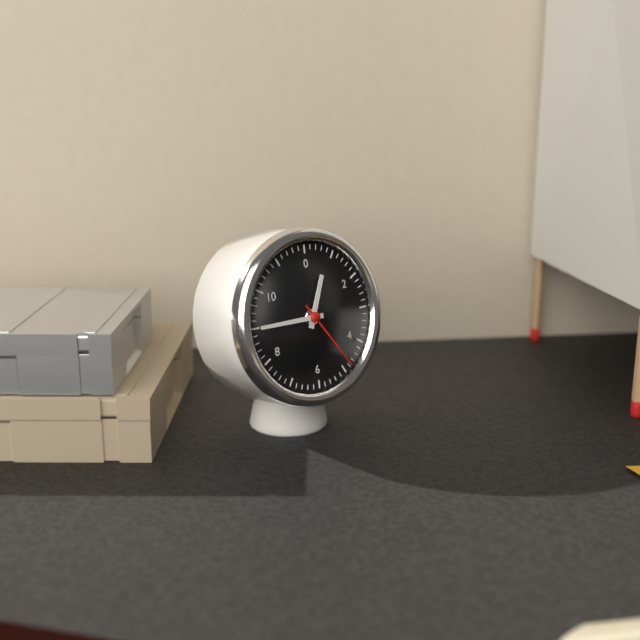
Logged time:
12,45,24
